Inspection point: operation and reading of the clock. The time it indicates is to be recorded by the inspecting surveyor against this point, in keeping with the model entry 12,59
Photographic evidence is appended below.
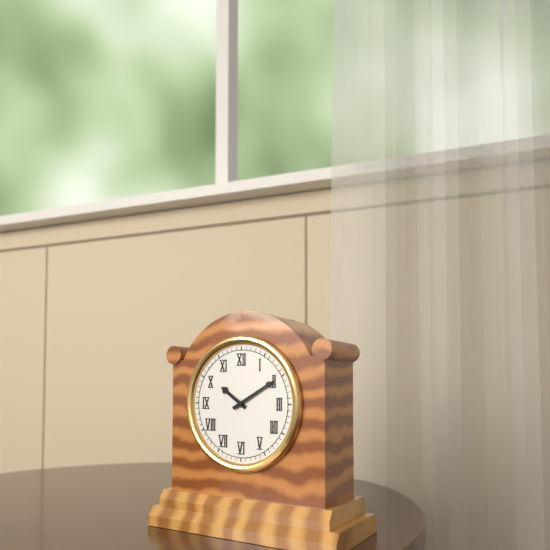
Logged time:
10,10
